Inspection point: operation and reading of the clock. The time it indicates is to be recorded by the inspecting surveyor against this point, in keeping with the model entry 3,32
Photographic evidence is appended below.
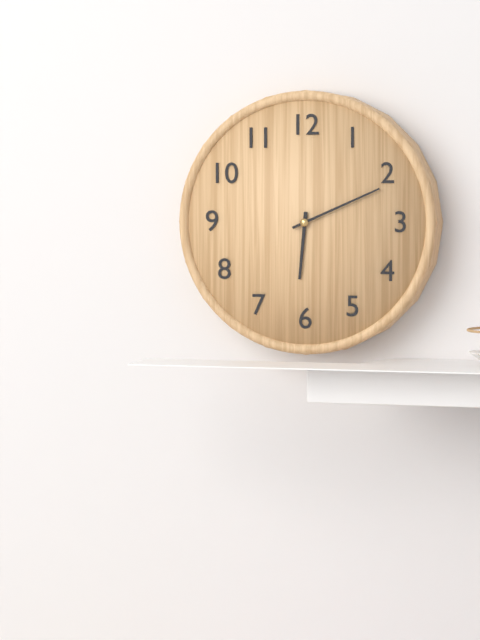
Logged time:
6,11
